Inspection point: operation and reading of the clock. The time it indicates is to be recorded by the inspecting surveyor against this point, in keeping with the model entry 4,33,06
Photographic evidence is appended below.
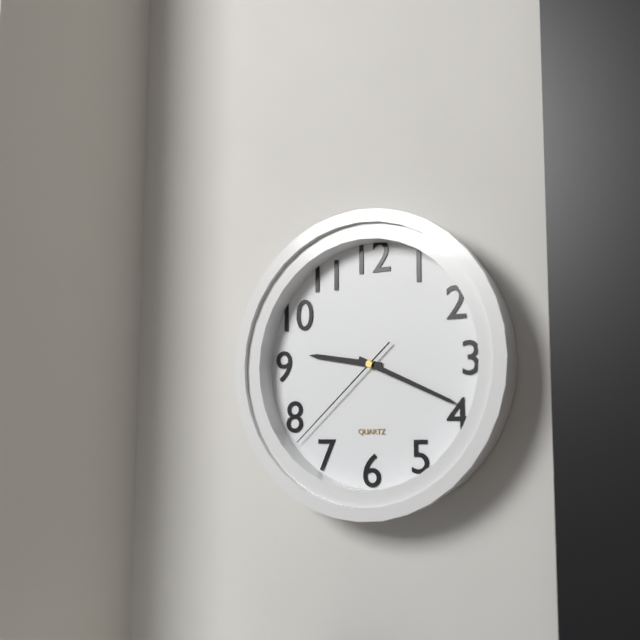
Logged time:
9,19,38
